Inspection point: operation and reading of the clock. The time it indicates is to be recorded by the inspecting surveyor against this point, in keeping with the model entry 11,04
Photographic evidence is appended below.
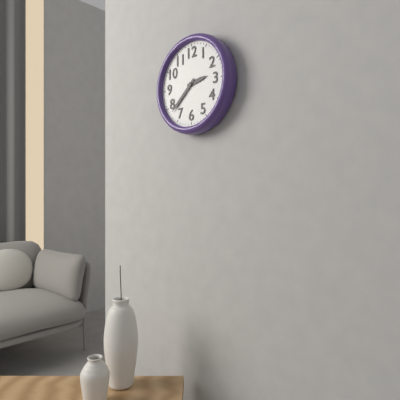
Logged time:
2,38
